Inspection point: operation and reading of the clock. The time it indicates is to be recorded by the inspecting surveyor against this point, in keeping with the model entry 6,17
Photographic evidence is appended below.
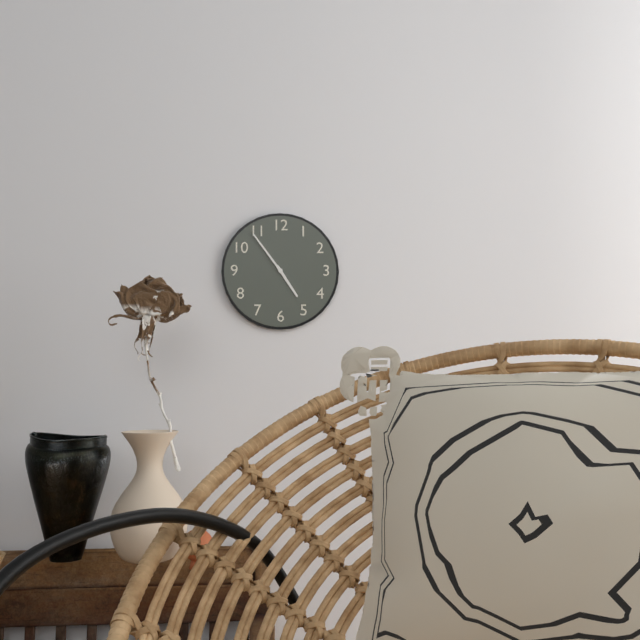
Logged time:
4,54
